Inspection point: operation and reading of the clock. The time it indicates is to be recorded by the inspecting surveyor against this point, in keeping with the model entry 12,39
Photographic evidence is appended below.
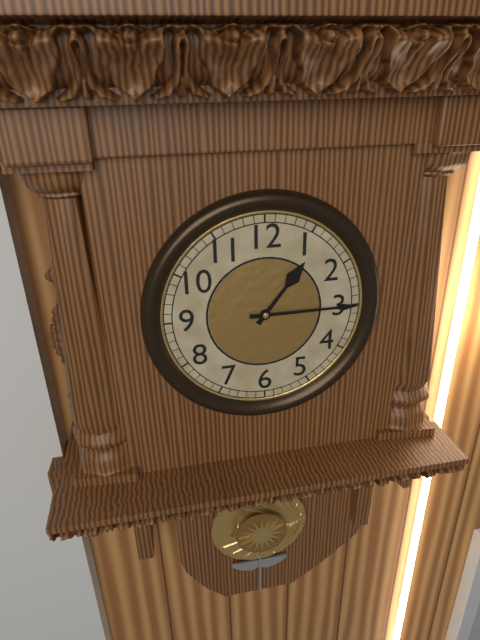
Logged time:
1,15
